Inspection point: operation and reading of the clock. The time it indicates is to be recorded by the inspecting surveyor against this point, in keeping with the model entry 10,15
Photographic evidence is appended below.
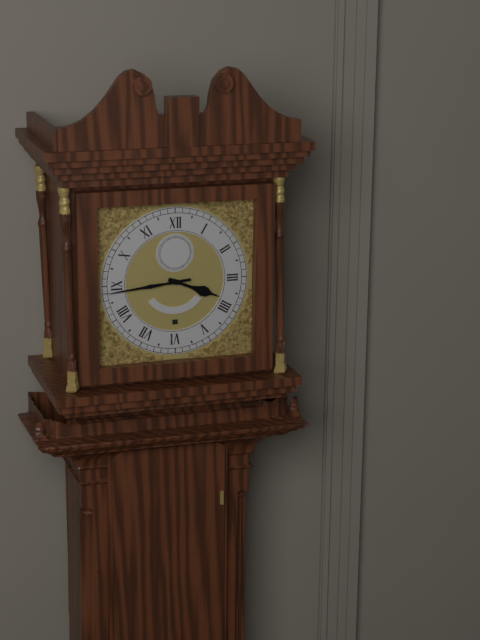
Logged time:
3,44
